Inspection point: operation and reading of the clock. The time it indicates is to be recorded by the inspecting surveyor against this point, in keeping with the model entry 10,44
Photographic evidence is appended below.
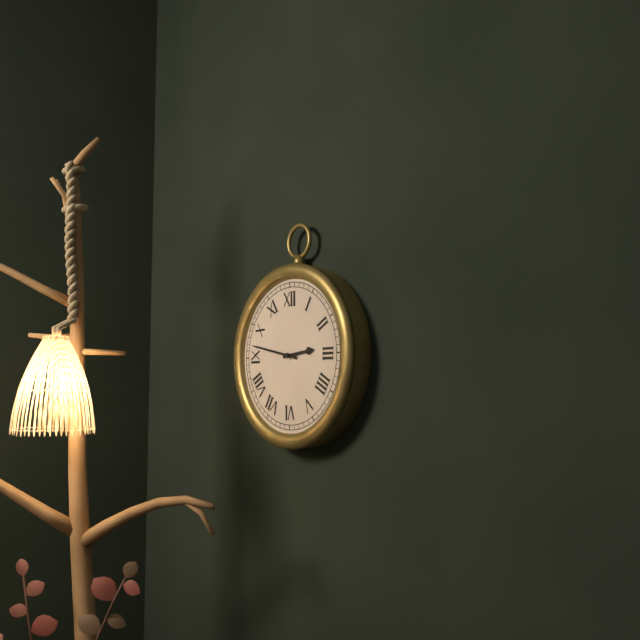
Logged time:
2,47
